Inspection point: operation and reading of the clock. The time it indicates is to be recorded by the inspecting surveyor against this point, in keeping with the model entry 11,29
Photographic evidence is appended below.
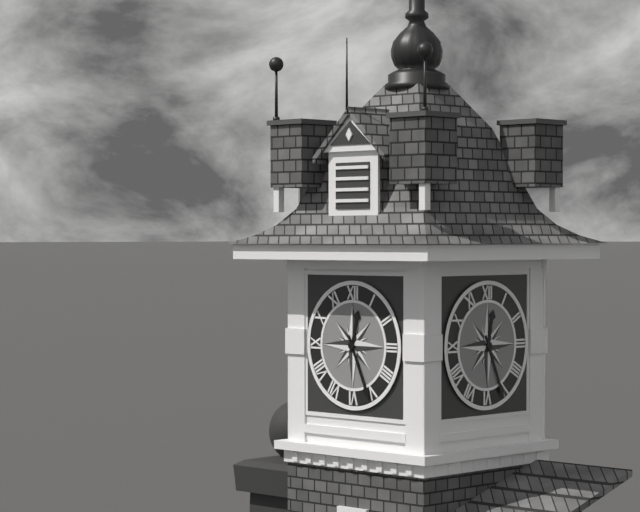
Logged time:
12,26
